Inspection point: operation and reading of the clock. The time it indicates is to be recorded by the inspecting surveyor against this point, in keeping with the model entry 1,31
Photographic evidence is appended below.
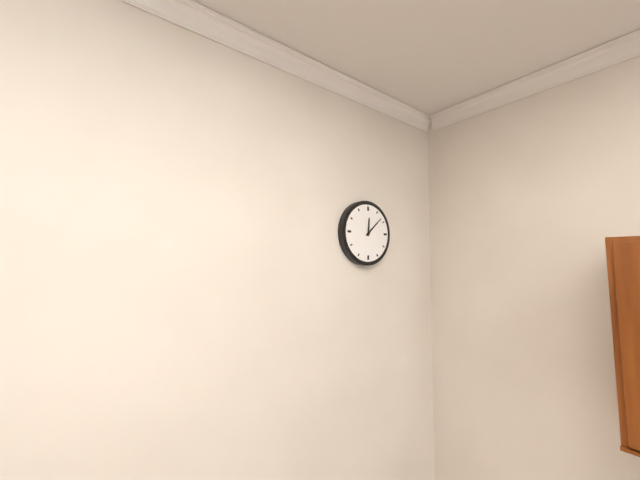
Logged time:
12,08
